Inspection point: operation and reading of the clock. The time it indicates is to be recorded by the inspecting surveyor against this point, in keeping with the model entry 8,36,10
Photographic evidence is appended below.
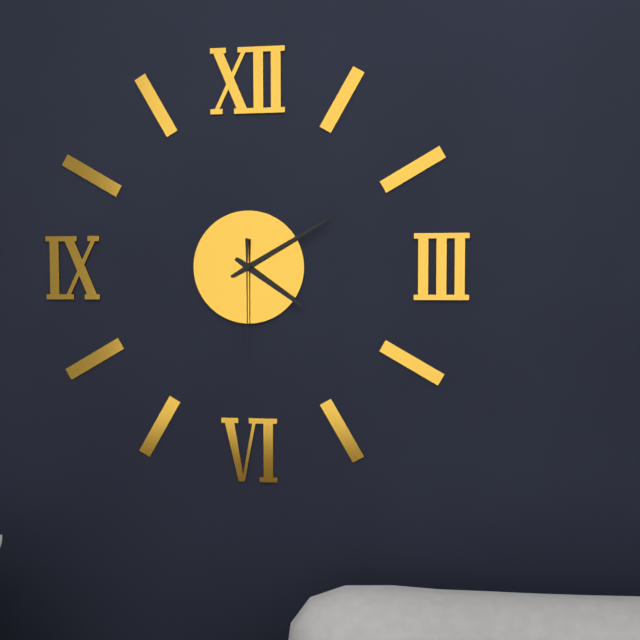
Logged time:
4,10,30
